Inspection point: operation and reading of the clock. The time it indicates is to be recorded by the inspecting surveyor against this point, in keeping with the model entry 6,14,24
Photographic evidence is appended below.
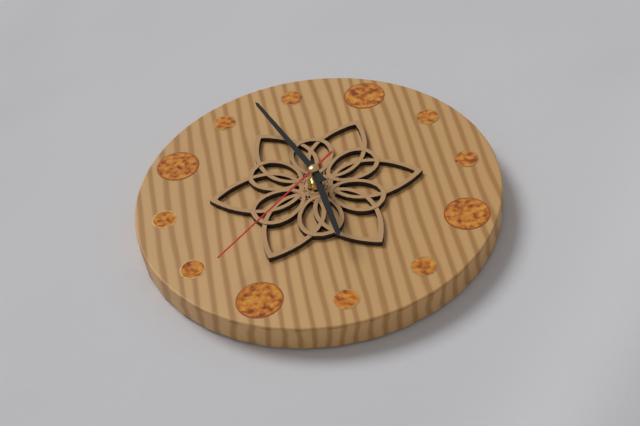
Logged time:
4,52,33
